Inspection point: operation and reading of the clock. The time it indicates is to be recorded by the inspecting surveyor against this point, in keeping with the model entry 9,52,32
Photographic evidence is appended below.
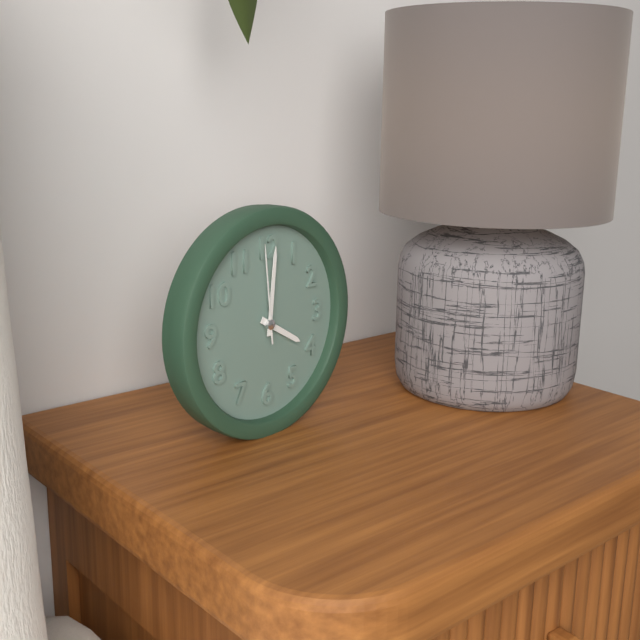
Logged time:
4,01,59
